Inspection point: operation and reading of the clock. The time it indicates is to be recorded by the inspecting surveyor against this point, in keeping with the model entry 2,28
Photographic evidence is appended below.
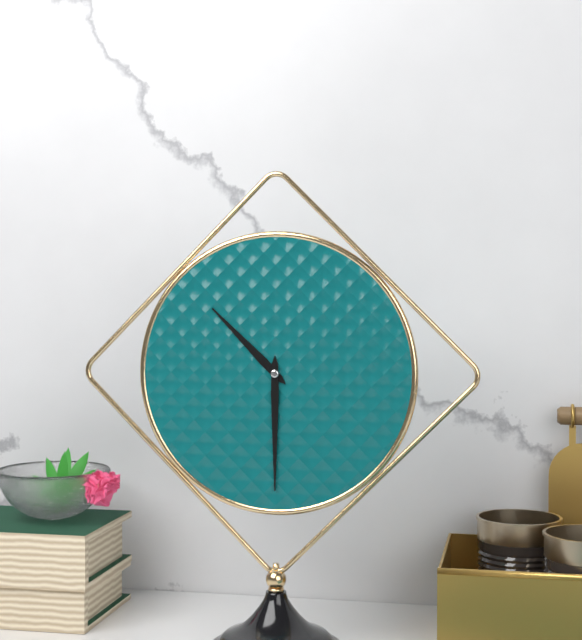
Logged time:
10,30
